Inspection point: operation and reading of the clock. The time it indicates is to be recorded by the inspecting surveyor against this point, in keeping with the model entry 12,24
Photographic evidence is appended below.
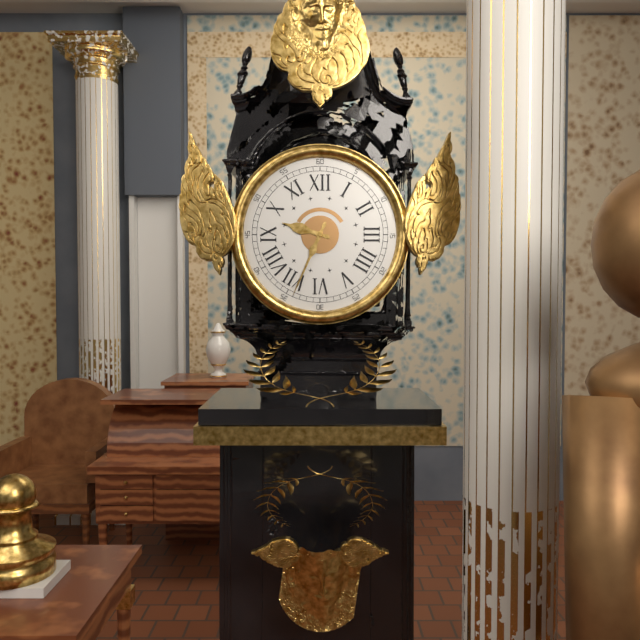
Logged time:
9,34
